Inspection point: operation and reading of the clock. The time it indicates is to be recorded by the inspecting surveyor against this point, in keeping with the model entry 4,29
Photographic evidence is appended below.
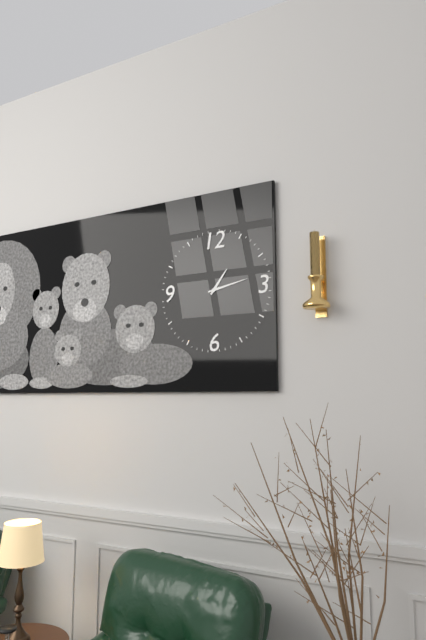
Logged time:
1,13
